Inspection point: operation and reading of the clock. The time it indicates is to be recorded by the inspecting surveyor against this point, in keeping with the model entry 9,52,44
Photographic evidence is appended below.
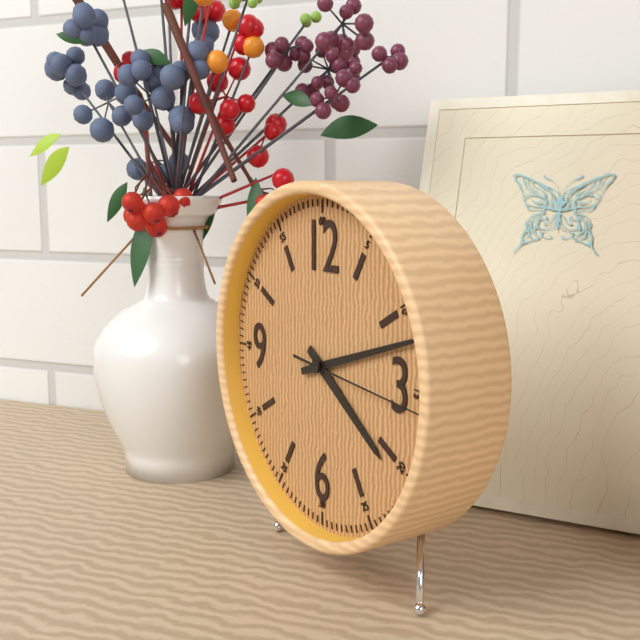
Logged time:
4,12,16
